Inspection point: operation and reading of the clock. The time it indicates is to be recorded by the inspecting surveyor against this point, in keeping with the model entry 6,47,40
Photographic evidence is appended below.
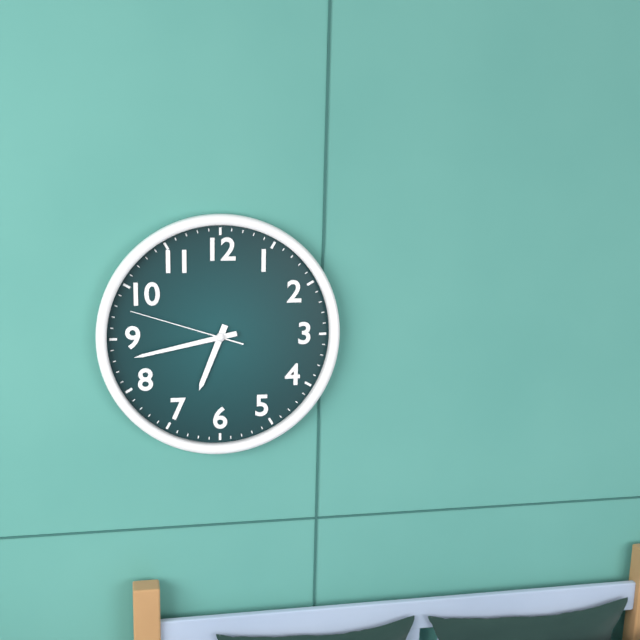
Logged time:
6,43,48
